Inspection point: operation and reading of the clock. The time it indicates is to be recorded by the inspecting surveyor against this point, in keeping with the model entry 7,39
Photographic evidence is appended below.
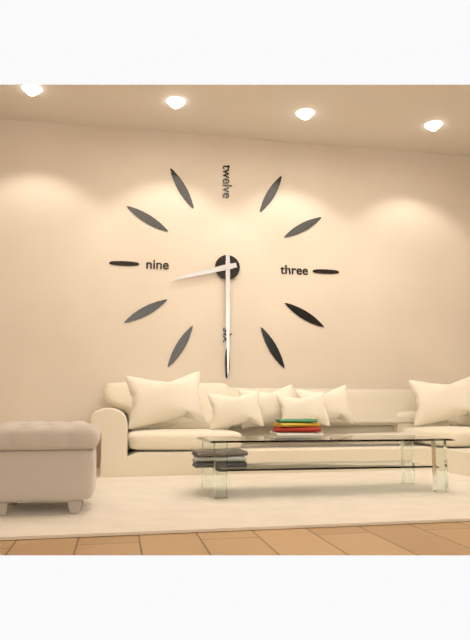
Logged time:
8,30
